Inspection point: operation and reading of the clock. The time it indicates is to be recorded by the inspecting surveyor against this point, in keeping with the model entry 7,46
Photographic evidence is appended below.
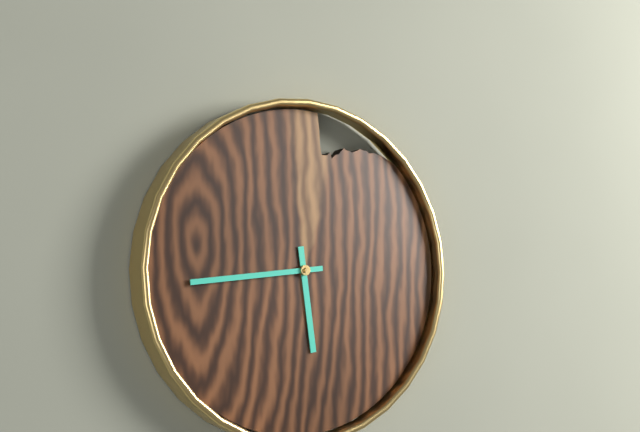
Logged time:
5,44
